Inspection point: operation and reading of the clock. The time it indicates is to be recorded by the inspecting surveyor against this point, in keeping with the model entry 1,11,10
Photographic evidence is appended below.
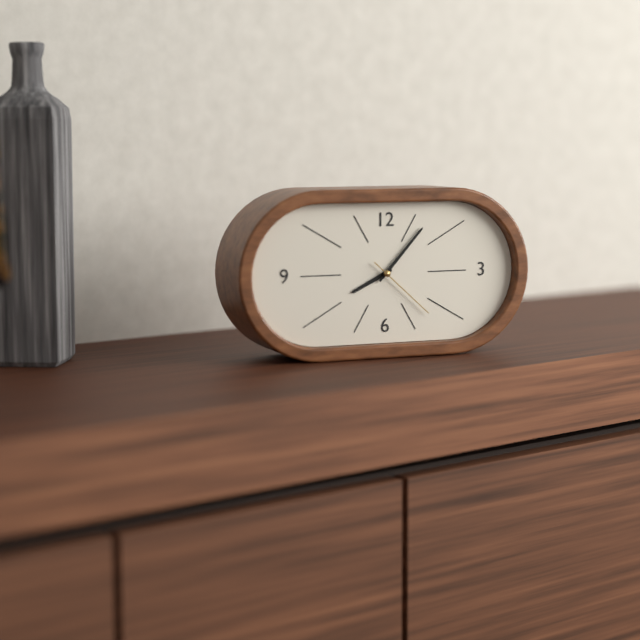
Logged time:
8,07,22
